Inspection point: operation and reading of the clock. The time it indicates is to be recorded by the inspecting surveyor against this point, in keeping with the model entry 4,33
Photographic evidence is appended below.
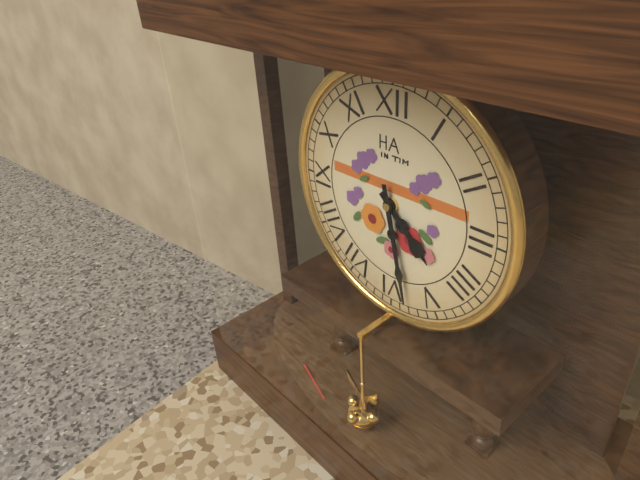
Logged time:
4,28
